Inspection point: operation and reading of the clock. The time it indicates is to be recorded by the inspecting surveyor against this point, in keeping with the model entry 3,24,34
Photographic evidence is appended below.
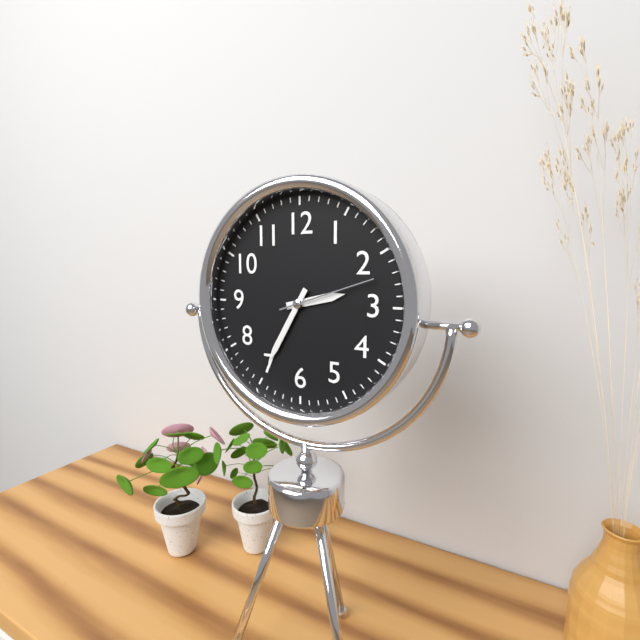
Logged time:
2,35,12
